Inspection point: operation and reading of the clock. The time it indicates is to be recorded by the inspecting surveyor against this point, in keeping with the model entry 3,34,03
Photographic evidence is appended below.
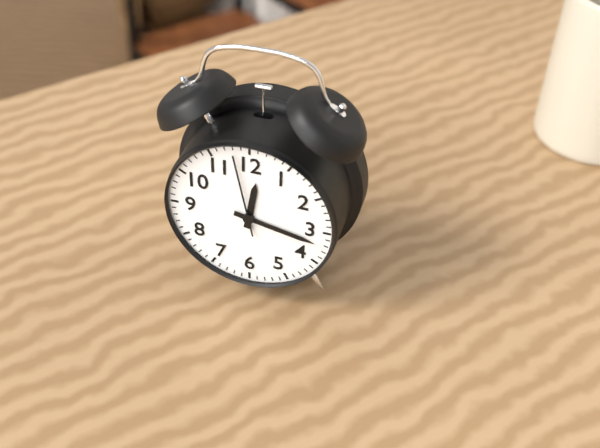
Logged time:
12,17,58
